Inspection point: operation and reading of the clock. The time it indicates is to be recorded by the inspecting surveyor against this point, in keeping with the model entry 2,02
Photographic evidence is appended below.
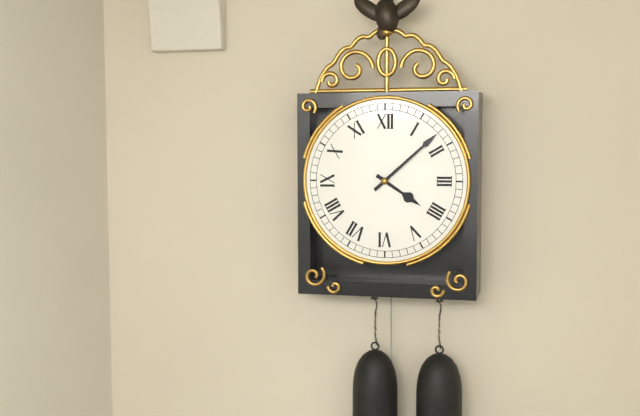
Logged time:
4,08
